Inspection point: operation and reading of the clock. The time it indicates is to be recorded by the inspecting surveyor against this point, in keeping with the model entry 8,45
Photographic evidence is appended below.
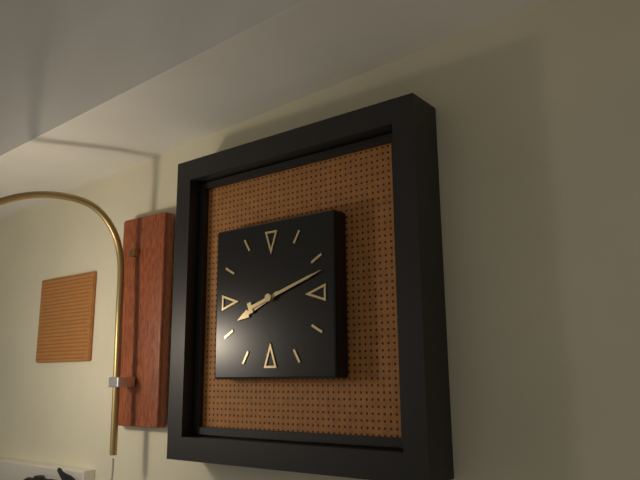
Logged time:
8,12
